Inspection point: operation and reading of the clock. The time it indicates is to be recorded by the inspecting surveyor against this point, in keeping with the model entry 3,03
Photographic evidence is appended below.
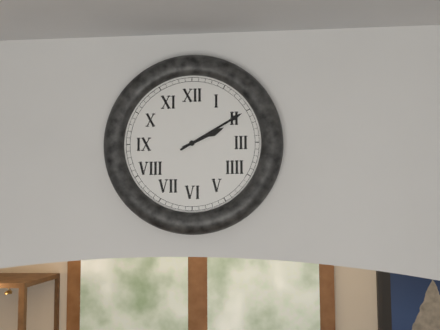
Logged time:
2,10
